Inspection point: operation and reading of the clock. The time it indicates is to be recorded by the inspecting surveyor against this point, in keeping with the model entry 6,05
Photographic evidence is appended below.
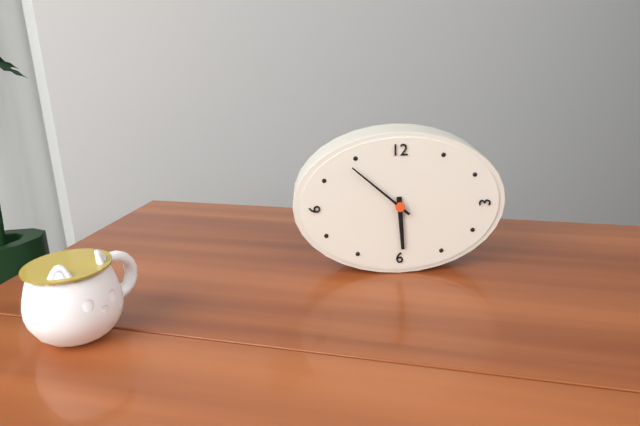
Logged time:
5,52
